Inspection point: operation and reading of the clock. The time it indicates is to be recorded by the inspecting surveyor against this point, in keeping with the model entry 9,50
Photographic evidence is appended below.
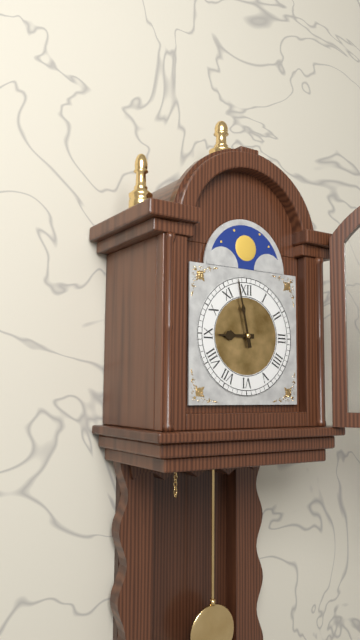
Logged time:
8,58
